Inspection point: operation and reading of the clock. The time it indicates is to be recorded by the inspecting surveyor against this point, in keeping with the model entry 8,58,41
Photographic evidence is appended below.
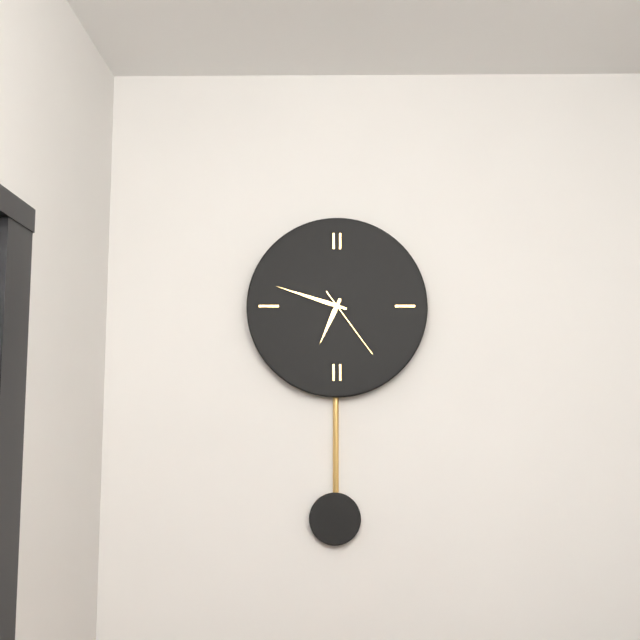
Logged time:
6,48,24
